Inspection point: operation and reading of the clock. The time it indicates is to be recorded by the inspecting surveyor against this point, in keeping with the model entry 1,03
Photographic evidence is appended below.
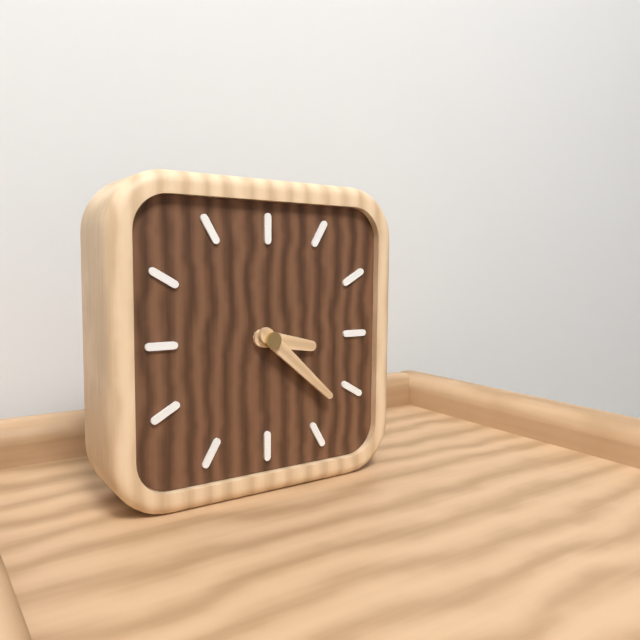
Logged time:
3,22
